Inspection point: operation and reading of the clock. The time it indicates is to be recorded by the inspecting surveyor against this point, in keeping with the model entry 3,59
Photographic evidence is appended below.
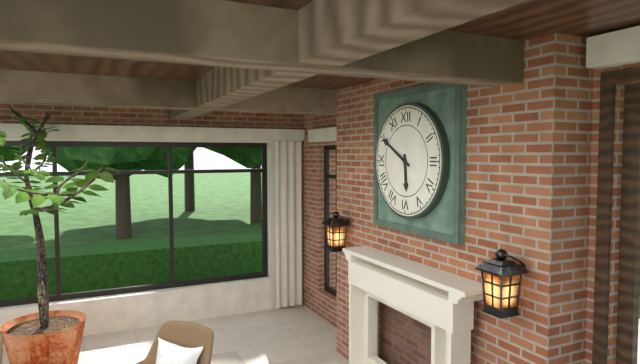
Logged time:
5,50
